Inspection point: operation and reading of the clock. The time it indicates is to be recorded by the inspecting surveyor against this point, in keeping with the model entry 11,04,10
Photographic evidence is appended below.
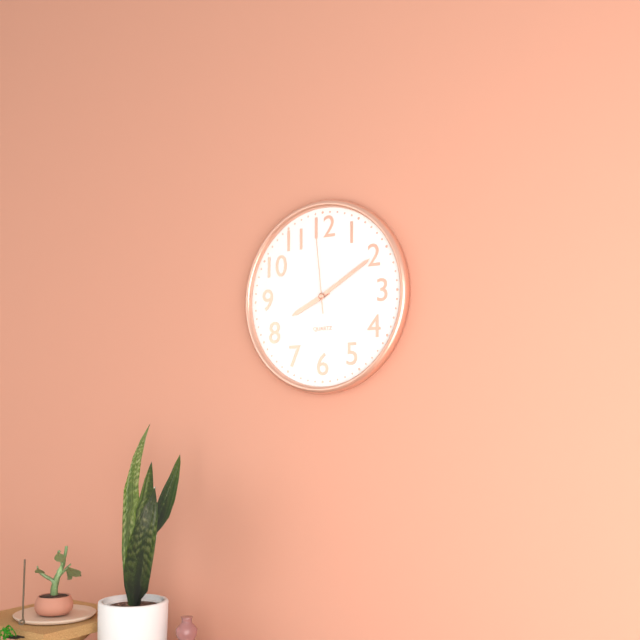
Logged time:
8,10,59
